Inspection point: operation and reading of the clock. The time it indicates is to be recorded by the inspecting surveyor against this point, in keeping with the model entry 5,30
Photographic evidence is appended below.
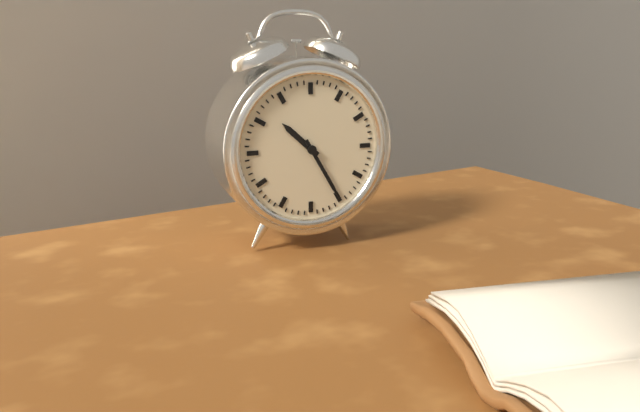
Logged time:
10,25
